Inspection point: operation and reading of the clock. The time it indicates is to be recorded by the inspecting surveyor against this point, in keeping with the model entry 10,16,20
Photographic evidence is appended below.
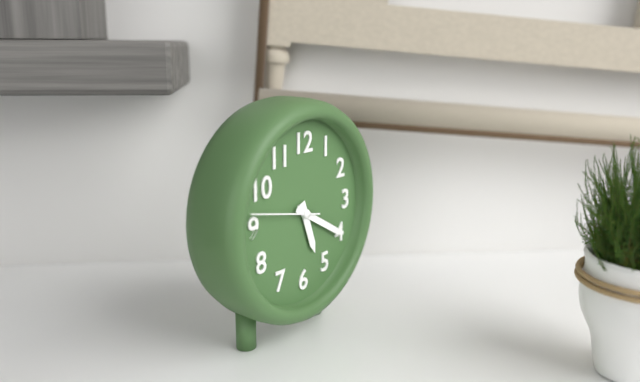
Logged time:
5,20,47
